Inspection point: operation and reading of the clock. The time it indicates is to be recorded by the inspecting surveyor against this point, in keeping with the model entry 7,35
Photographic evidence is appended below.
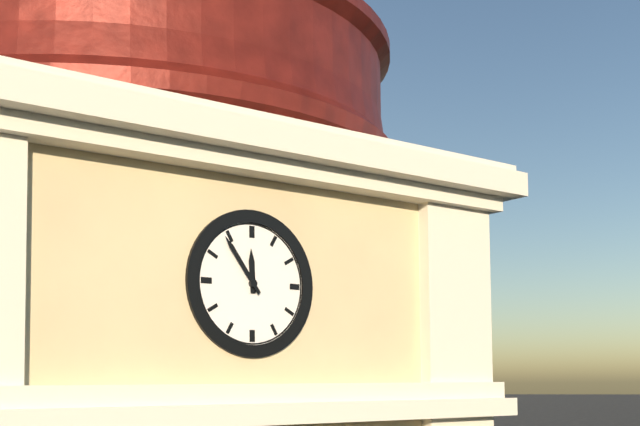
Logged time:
11,54
